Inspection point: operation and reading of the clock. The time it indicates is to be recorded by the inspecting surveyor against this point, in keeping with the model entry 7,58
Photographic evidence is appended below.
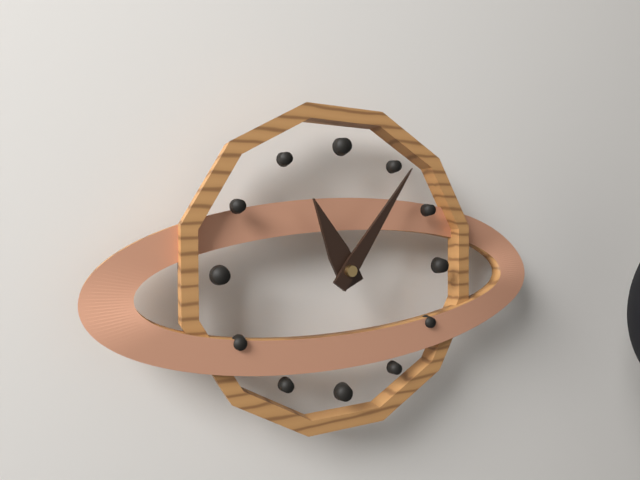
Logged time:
11,06
